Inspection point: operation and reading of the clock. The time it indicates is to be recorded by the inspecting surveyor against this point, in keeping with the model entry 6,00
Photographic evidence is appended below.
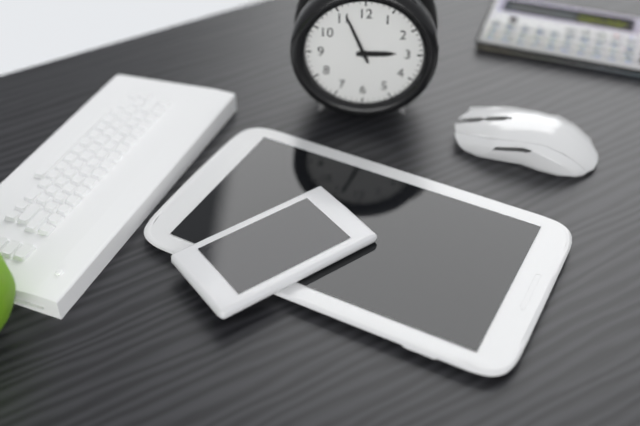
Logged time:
2,56
